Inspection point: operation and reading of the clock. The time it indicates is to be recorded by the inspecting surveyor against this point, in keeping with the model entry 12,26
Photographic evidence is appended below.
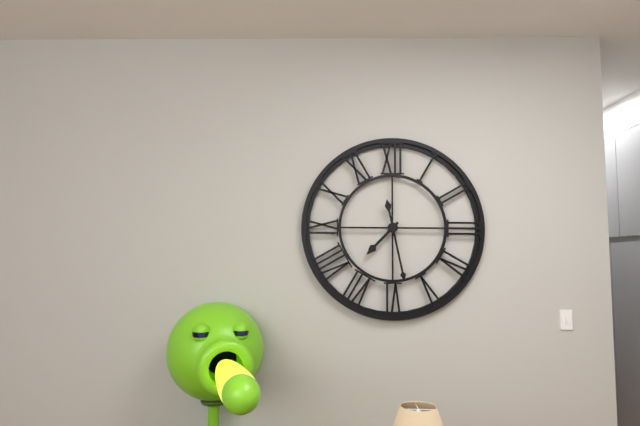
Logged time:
7,28
